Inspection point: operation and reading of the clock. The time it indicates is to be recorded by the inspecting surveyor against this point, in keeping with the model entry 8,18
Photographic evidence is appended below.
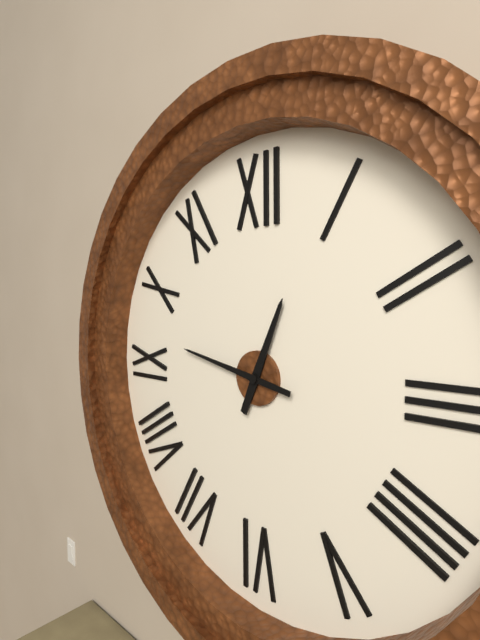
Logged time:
12,47
